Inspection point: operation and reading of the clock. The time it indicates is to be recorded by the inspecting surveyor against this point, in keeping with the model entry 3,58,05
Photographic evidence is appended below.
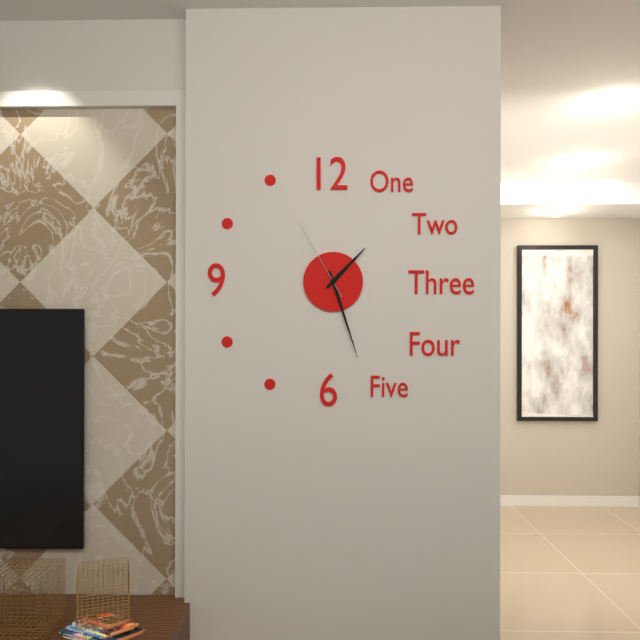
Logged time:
1,27,55
